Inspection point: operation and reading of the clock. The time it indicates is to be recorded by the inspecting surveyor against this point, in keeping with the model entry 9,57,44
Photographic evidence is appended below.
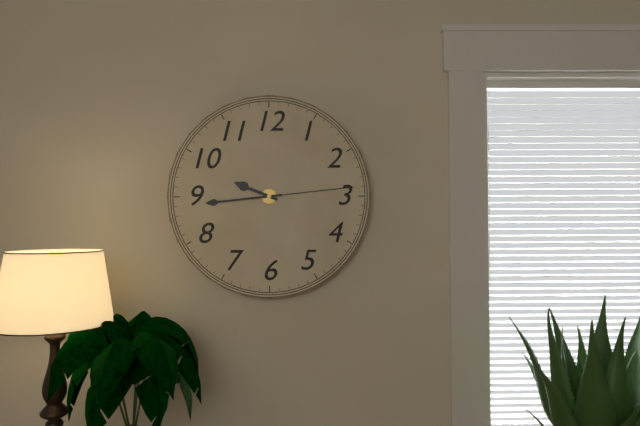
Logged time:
9,44,14
